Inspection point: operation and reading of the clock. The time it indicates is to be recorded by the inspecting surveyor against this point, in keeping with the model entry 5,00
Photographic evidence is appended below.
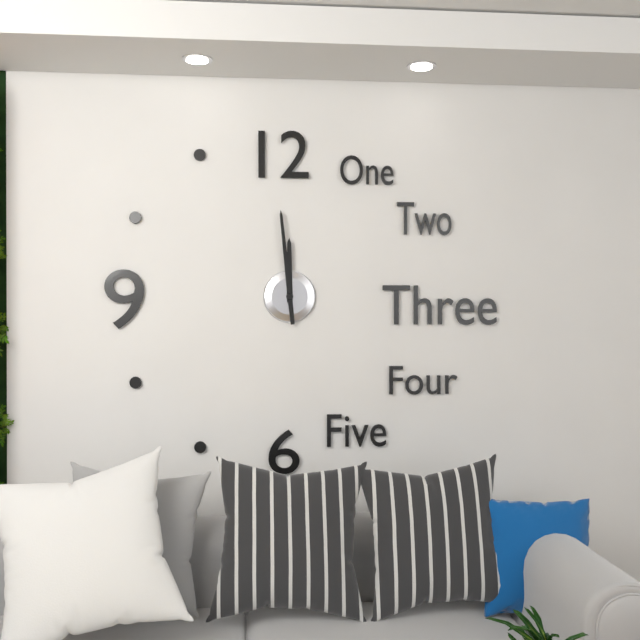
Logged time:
11,59
